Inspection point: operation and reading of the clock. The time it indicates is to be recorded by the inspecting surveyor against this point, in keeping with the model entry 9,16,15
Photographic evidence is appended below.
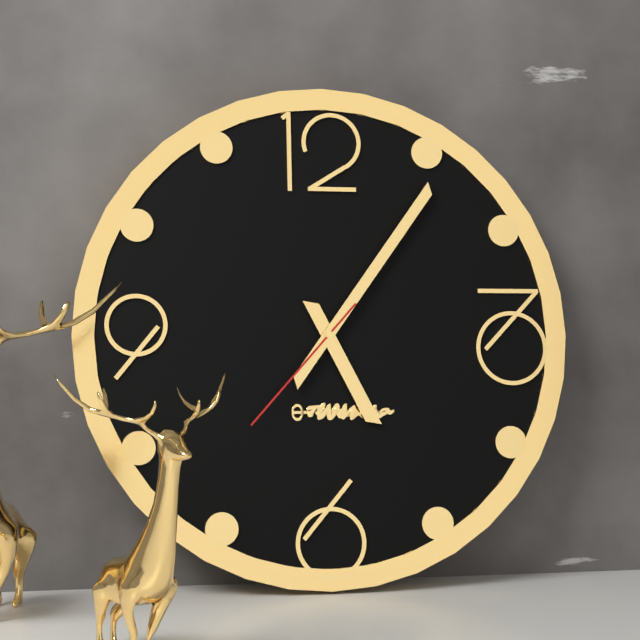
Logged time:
5,06,37
